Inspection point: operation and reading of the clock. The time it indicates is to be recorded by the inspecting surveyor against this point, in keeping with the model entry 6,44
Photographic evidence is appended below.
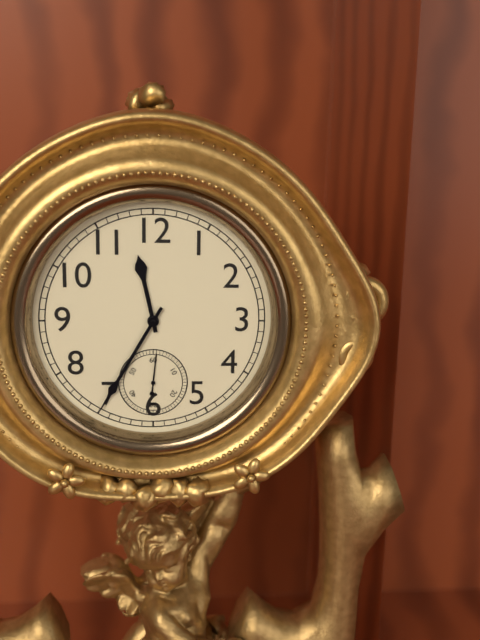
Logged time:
11,35
